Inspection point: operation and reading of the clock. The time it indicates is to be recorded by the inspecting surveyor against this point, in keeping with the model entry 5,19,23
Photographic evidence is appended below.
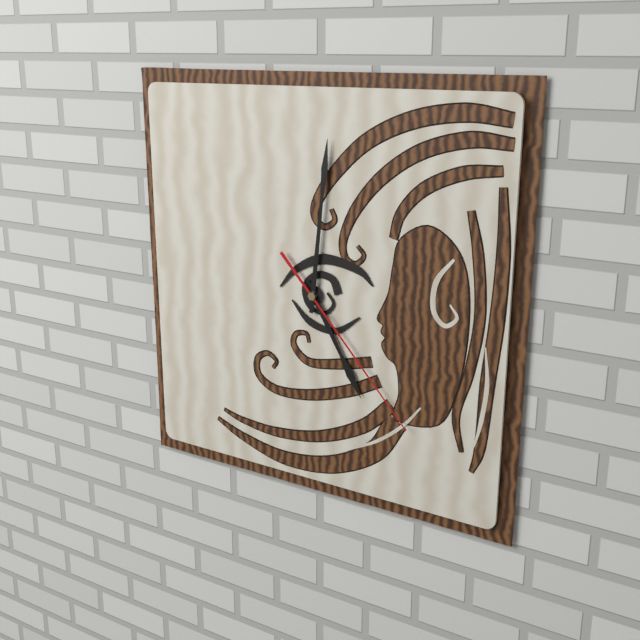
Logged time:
5,01,23
